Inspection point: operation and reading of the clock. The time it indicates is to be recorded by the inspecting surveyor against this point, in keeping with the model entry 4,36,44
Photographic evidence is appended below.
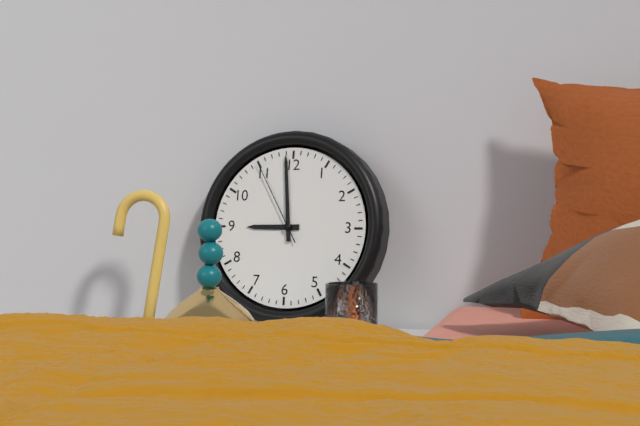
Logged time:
8,59,55
